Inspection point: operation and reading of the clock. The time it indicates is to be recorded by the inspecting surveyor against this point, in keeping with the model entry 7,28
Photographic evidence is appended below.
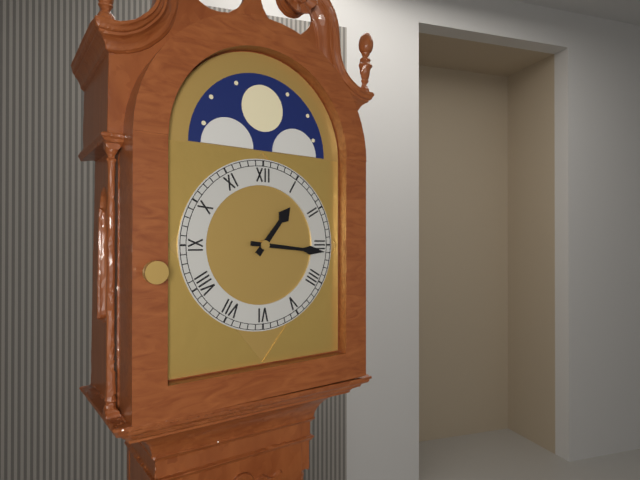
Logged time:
1,16
